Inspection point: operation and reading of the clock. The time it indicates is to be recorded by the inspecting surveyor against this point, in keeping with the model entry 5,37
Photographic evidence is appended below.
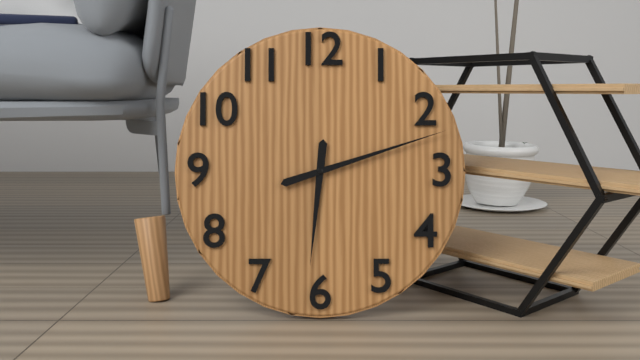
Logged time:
6,12
